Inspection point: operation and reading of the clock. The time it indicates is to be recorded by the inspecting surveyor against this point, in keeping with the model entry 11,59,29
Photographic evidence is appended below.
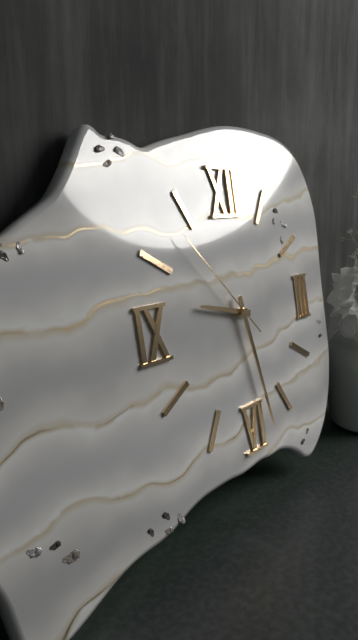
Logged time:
9,28,53
